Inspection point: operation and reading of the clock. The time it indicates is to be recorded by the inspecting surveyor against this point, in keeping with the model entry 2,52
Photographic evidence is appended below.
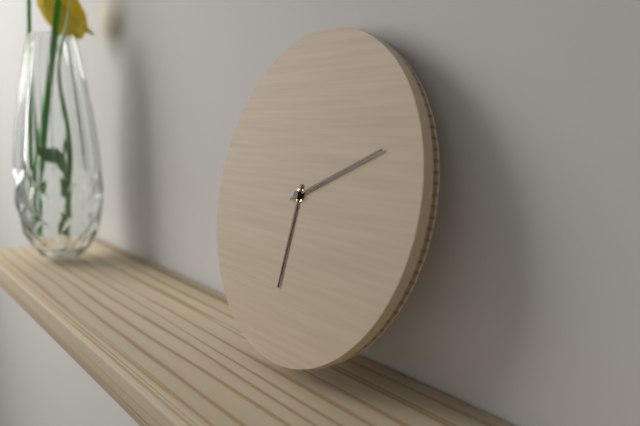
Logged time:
6,11
